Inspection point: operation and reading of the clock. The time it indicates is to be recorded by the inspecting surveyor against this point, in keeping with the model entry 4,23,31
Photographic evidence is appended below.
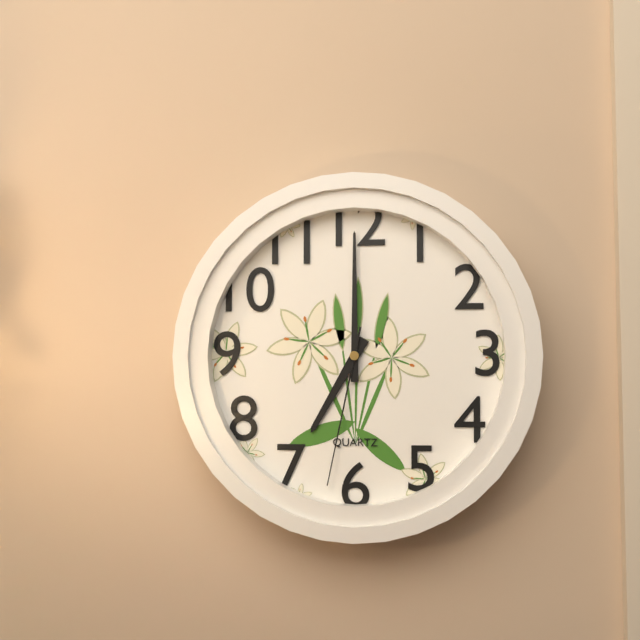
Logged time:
7,00,32
